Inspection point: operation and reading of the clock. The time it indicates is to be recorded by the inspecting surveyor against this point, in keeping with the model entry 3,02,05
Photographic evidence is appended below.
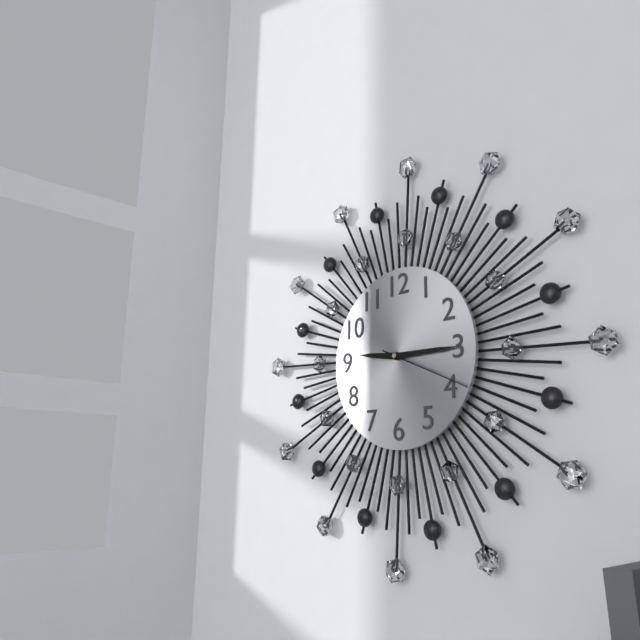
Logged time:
9,15,19
